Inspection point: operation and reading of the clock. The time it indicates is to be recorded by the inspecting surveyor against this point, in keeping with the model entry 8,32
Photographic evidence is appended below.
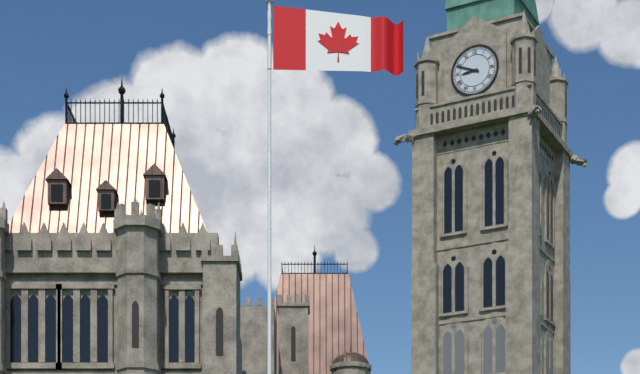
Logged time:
8,49
